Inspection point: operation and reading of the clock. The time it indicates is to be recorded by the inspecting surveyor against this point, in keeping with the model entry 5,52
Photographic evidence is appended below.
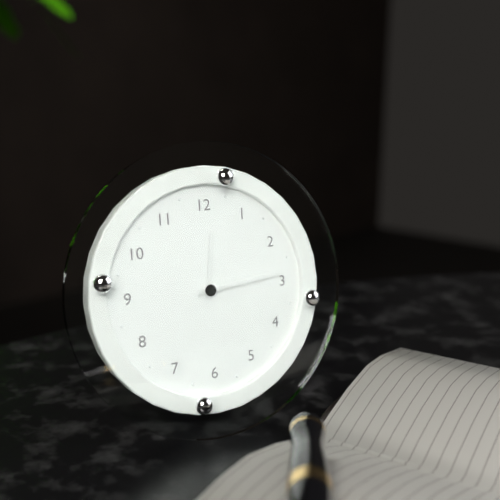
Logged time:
12,14
